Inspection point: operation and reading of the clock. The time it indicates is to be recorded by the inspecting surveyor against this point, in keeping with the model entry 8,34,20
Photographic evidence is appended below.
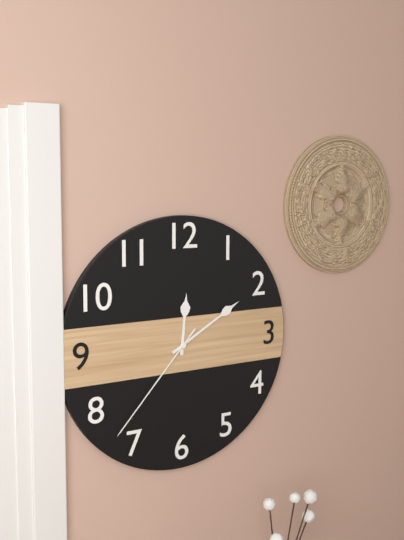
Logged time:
12,10,37
